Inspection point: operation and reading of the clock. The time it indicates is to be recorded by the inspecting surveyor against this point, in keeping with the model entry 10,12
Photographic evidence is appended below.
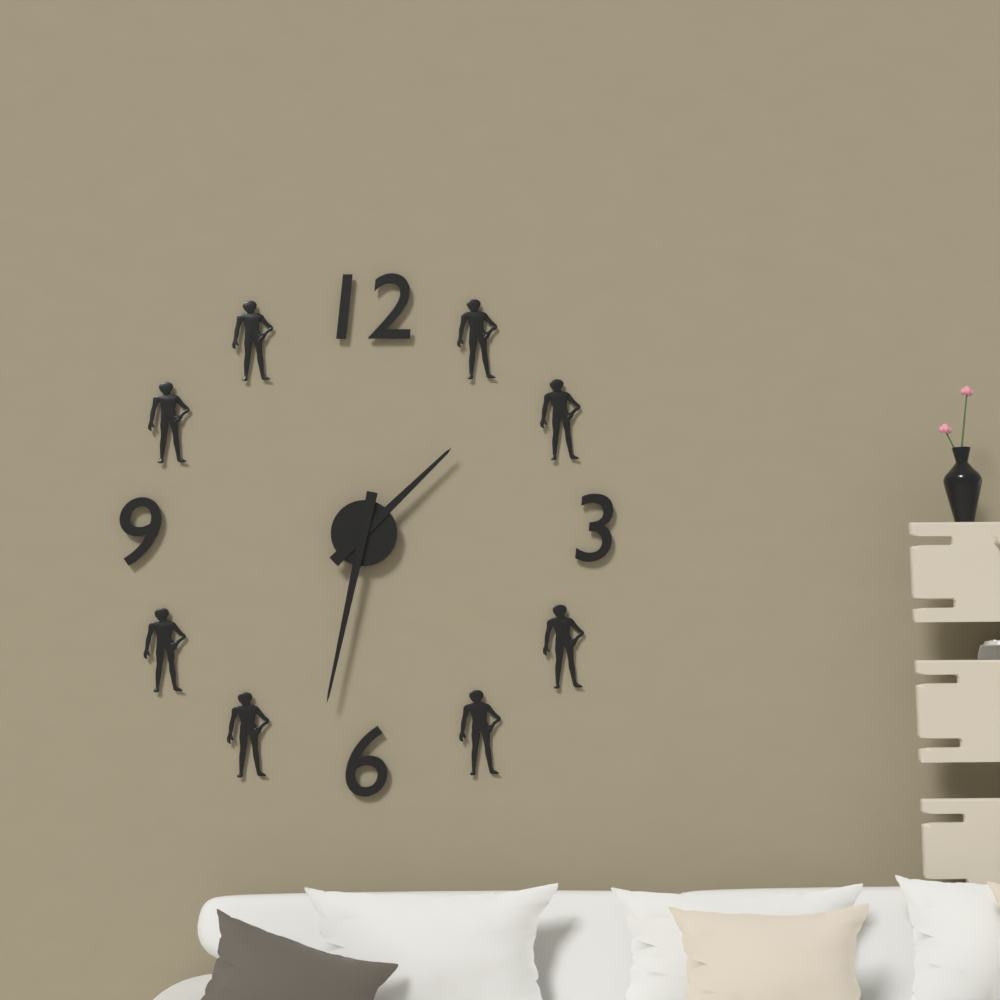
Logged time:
1,32
